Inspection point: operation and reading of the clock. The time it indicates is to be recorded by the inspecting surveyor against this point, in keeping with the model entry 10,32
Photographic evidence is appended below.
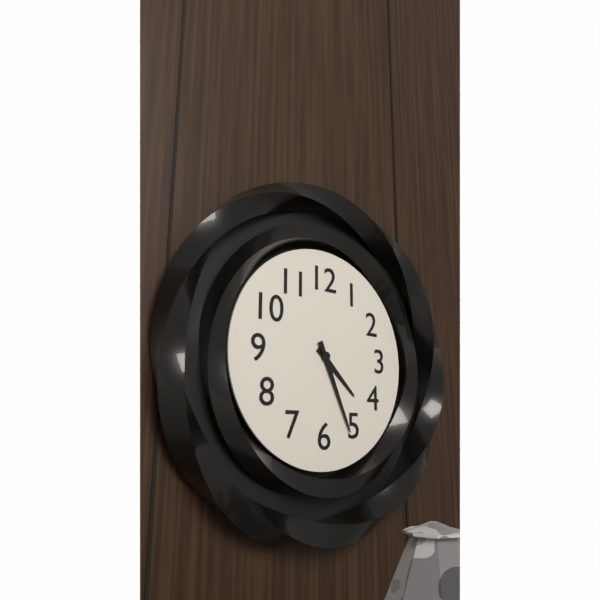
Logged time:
4,26
